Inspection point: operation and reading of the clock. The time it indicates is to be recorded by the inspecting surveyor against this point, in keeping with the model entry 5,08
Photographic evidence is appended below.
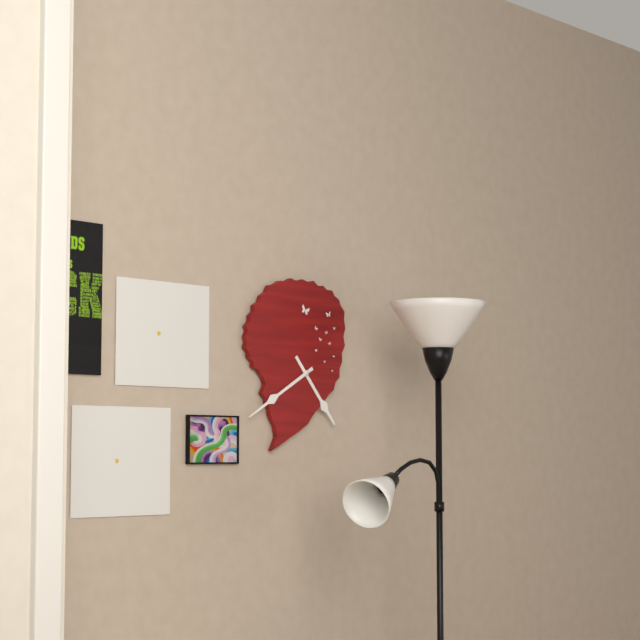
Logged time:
4,40
